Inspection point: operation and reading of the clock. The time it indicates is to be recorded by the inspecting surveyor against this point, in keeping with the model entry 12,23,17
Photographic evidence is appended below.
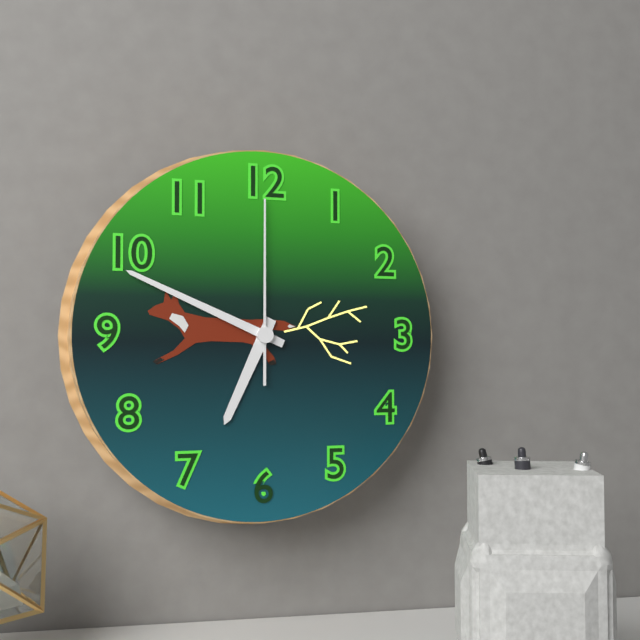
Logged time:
6,49,00
